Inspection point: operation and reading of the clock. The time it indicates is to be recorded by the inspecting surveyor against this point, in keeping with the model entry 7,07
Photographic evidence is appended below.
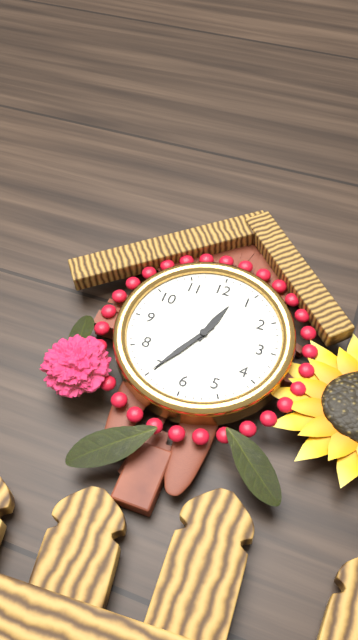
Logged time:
12,35
